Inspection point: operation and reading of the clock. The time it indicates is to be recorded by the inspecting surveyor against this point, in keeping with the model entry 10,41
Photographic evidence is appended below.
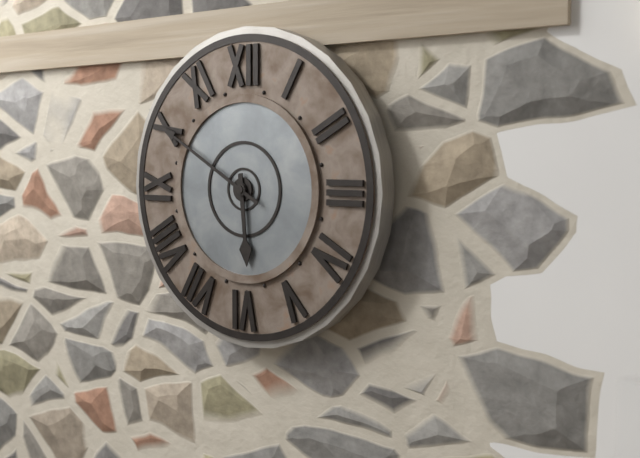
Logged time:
5,50
